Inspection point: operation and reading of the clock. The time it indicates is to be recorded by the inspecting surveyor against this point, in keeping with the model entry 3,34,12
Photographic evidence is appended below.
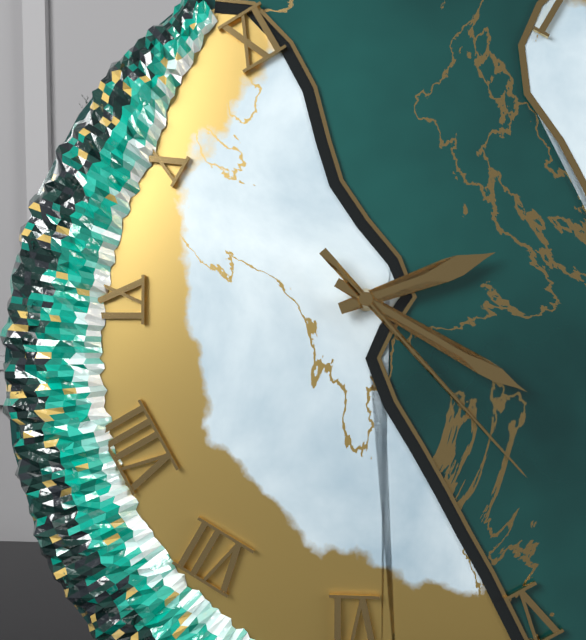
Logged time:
2,20,23
